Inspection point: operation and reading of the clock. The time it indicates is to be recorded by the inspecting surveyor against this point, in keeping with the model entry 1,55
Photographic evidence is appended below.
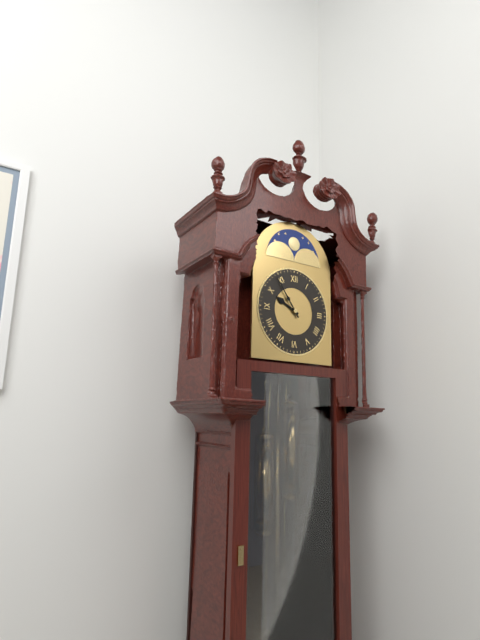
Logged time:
9,54
